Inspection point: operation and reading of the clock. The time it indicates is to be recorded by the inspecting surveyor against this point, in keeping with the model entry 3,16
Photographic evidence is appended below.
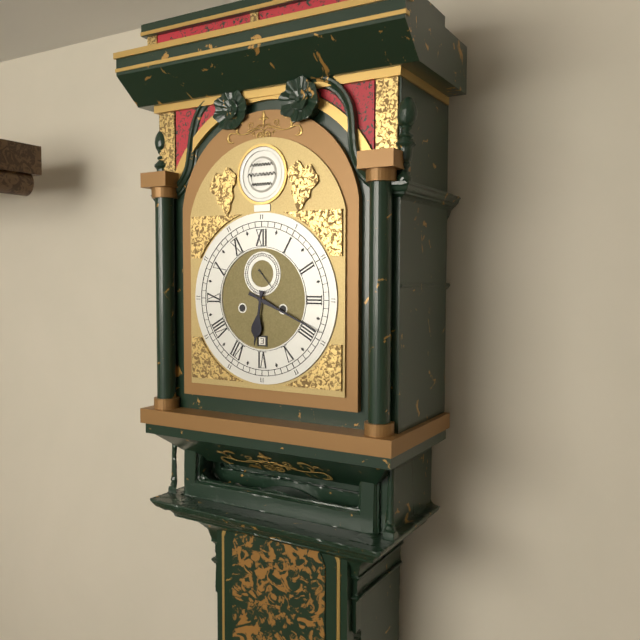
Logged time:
6,19
